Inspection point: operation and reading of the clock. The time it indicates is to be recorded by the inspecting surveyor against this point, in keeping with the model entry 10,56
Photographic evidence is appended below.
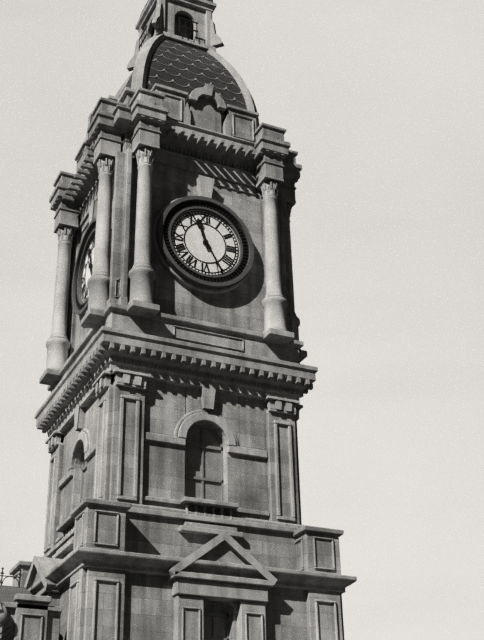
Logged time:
11,25
